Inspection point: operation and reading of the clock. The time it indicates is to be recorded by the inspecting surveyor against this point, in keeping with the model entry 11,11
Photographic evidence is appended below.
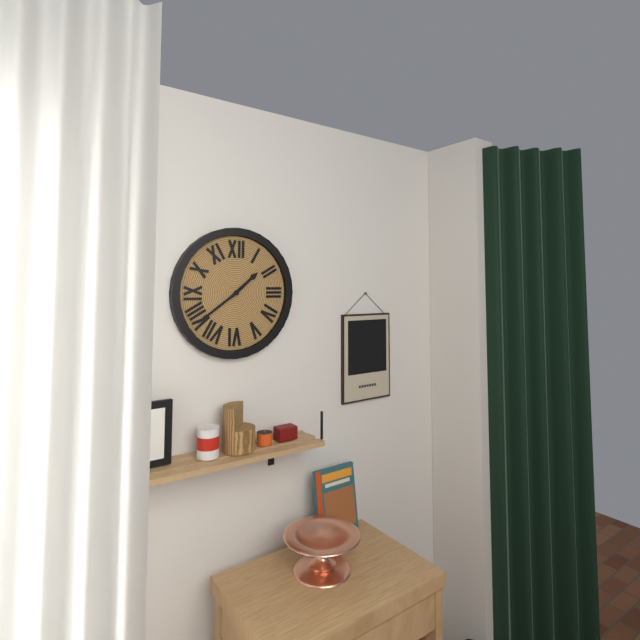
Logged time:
1,39
